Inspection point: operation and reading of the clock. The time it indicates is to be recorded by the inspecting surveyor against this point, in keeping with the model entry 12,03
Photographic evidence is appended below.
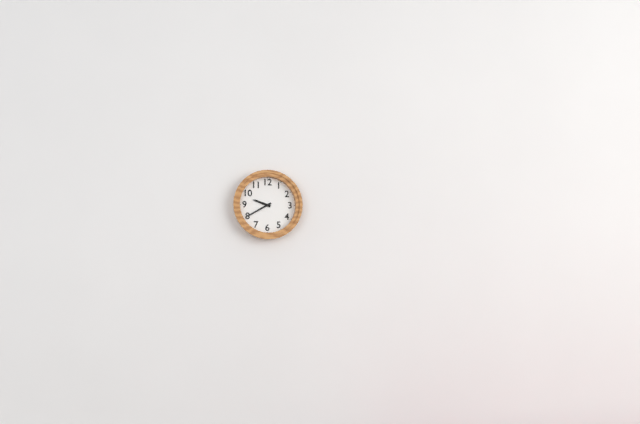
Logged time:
9,40
